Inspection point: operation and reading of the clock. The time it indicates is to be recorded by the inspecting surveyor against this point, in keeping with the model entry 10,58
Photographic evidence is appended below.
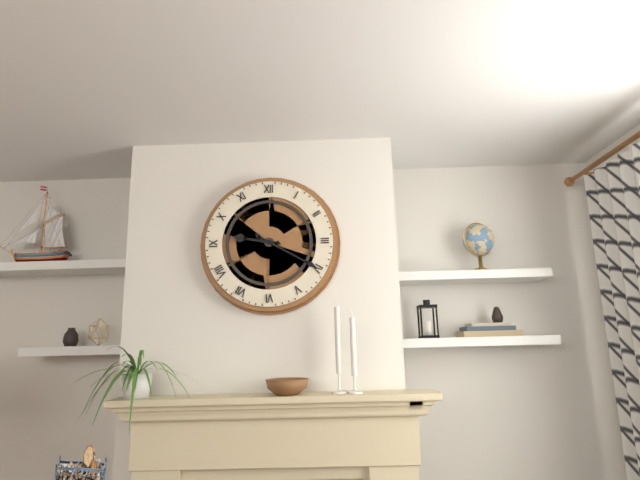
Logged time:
9,20
